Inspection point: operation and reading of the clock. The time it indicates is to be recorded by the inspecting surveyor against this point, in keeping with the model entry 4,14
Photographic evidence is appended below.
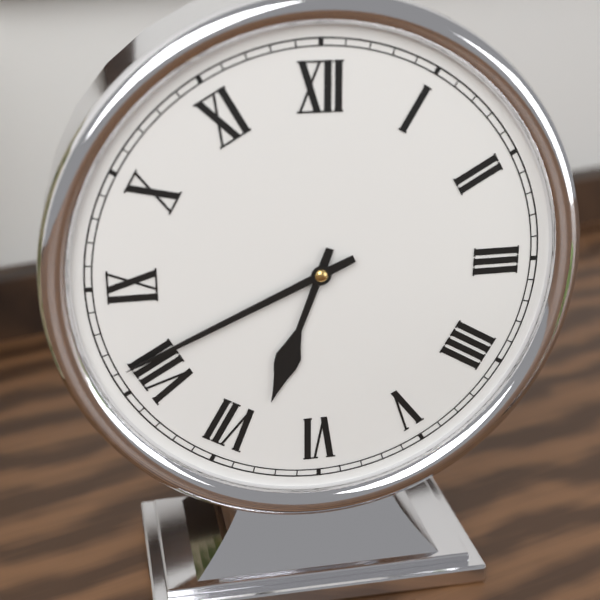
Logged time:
6,41
